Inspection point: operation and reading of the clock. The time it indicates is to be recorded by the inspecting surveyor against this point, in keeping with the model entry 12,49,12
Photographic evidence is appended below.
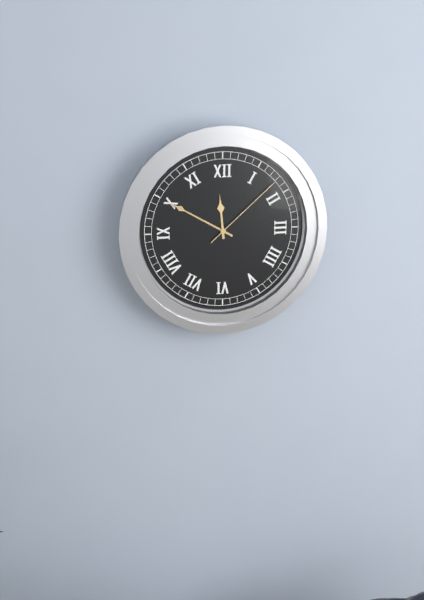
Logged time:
11,50,08
